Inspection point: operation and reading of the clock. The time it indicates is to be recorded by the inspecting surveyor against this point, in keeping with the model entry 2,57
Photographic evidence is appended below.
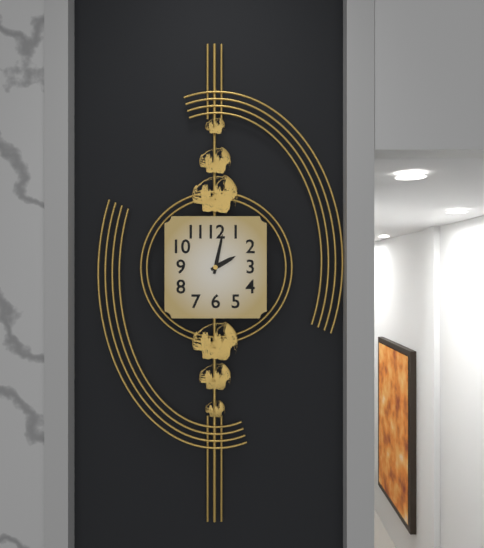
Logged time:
2,02
